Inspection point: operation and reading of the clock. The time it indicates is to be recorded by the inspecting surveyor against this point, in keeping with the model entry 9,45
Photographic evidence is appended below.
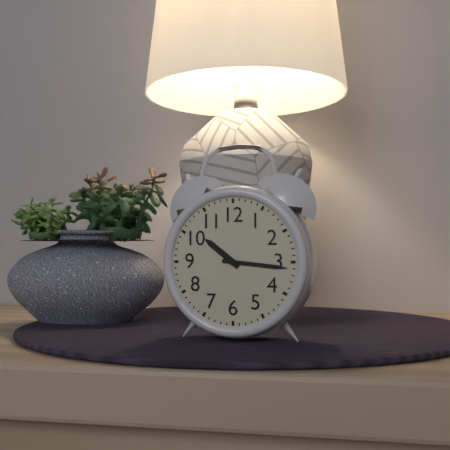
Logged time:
10,16
